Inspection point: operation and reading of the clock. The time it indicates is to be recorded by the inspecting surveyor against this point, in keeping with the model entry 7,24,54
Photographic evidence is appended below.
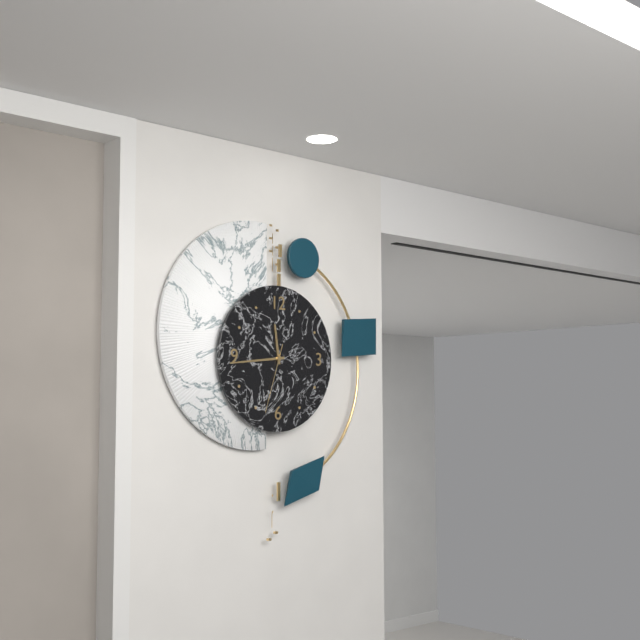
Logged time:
11,44,33
